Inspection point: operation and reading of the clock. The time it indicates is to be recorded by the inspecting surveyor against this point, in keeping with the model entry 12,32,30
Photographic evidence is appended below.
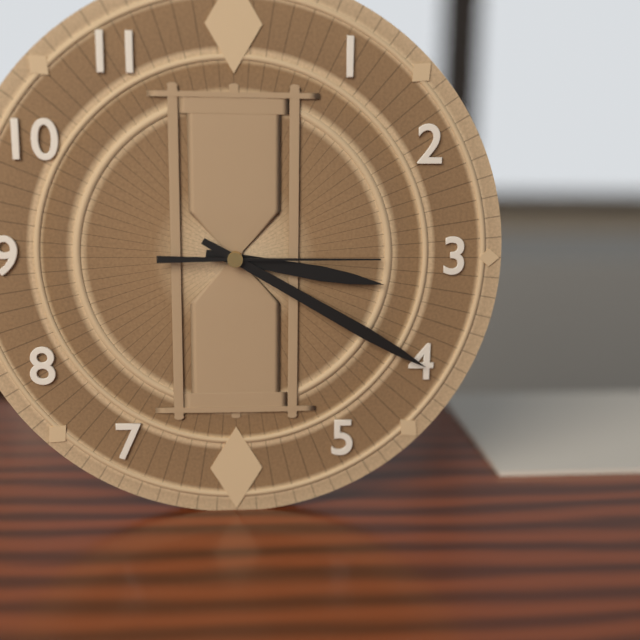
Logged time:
3,20,15
